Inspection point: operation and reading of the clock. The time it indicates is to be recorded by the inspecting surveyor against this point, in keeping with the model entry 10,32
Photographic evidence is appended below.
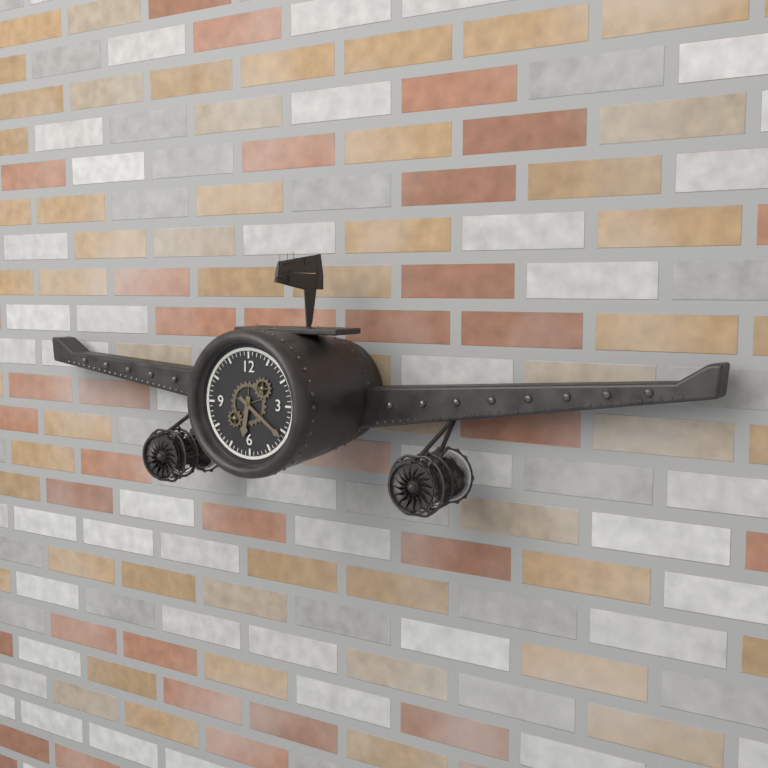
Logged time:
6,21
